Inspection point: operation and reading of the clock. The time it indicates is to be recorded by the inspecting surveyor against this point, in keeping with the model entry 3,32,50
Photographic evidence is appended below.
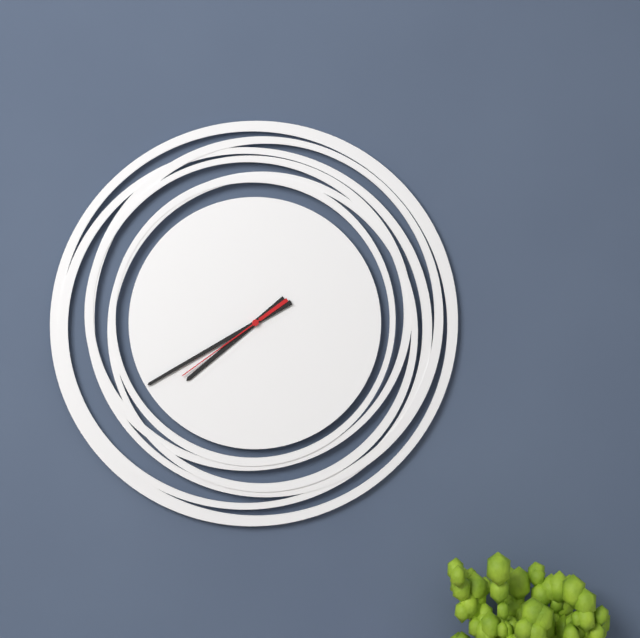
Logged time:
7,40,39
